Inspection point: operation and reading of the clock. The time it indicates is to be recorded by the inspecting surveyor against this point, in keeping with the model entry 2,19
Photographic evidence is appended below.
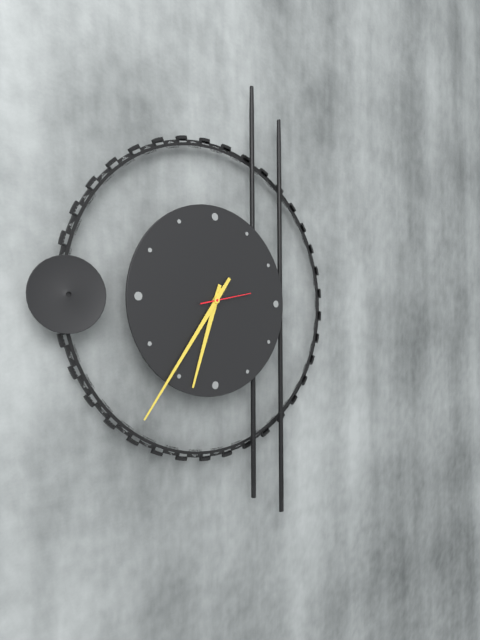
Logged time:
6,36
